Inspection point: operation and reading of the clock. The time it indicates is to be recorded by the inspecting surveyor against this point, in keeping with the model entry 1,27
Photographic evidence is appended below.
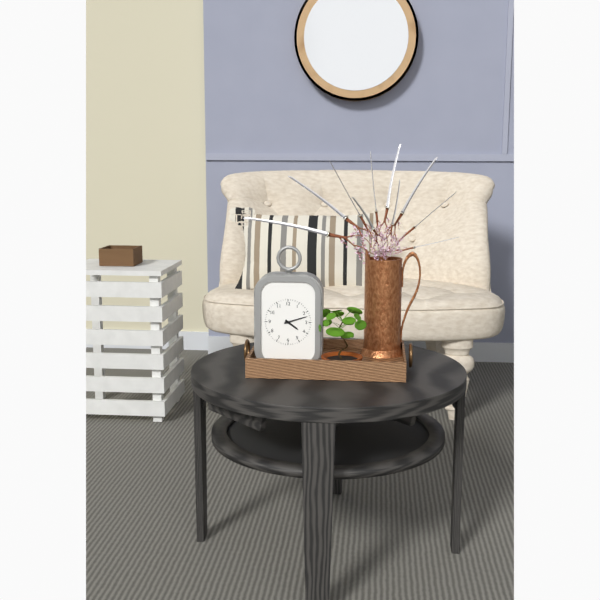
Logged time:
4,12
